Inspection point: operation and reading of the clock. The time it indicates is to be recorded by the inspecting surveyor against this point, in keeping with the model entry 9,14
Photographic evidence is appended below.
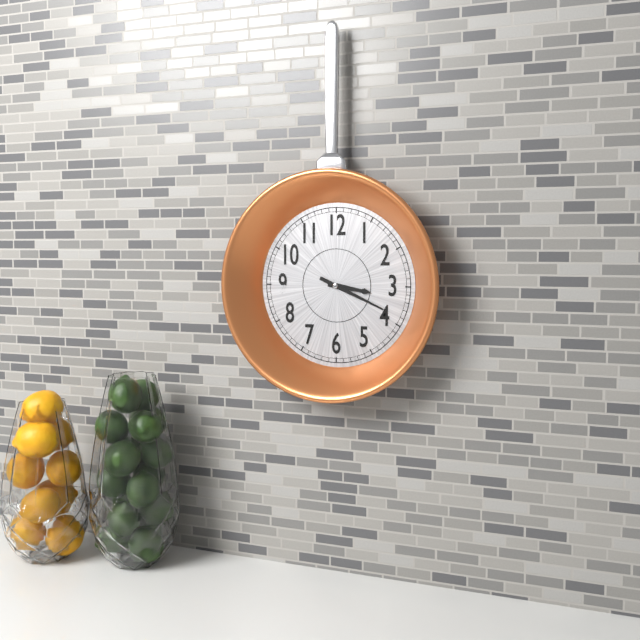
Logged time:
3,19
